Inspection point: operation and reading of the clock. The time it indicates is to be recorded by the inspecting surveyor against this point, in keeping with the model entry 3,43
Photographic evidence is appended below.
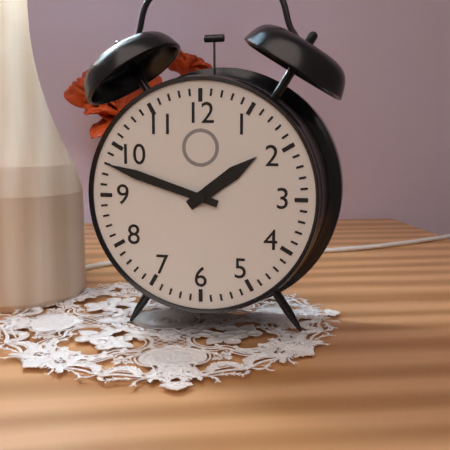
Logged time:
1,48
